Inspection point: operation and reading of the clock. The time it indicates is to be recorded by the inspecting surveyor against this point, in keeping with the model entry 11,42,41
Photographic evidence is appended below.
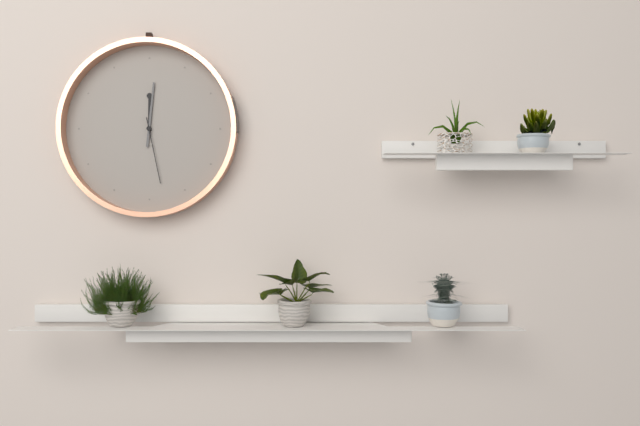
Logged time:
12,01,28
